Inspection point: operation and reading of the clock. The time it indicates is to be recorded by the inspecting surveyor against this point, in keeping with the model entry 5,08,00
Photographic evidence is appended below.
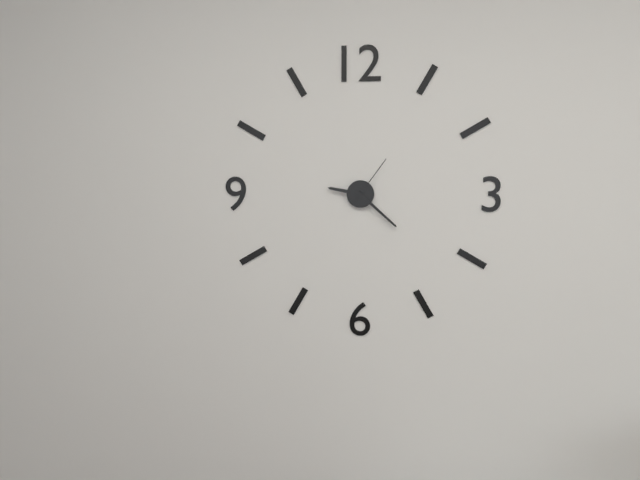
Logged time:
9,22,06
